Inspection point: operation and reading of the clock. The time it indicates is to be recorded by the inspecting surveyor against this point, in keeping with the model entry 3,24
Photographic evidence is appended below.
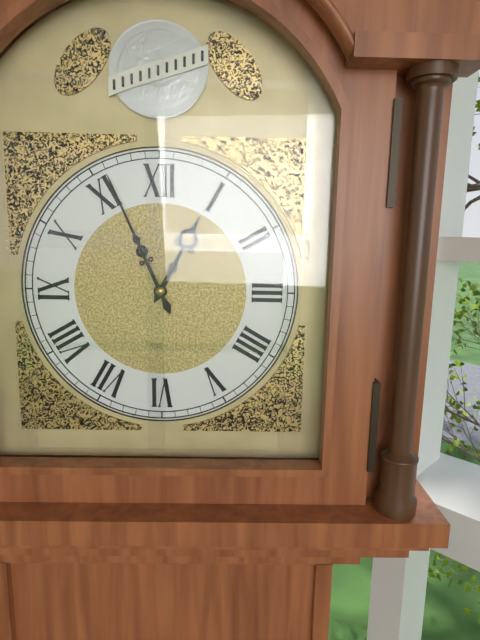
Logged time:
12,56
